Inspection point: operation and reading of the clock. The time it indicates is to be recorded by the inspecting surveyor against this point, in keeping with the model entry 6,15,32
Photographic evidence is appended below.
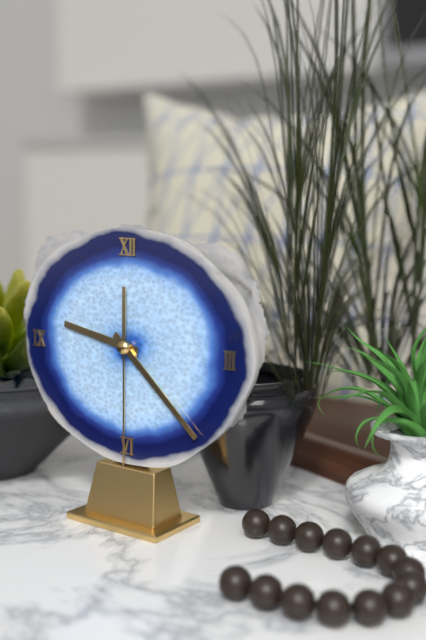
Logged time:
9,22,30
